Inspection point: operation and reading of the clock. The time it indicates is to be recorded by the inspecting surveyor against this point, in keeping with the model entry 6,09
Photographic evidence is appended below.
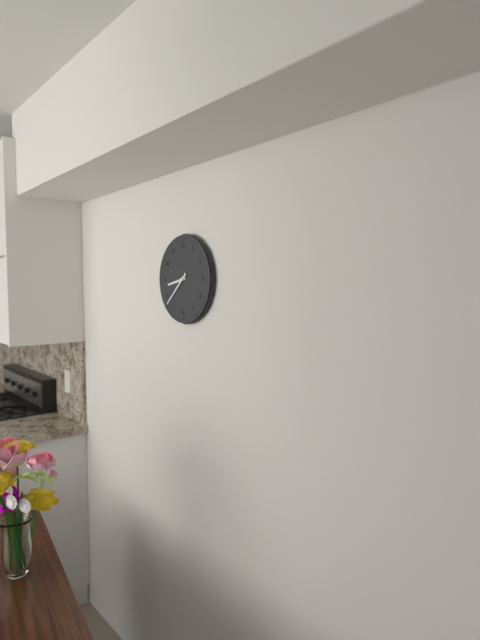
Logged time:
8,38
